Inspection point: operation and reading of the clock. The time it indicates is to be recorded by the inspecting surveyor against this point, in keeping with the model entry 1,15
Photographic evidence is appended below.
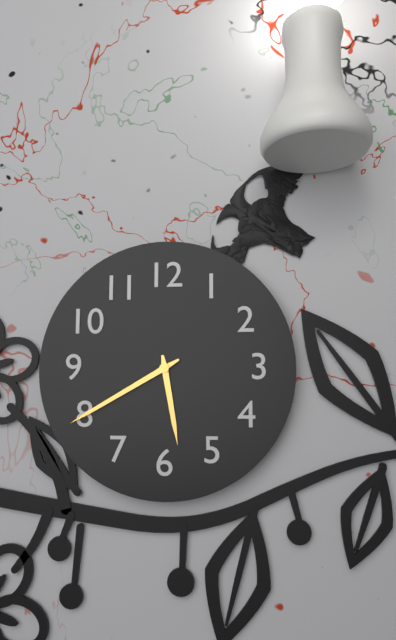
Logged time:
5,40
